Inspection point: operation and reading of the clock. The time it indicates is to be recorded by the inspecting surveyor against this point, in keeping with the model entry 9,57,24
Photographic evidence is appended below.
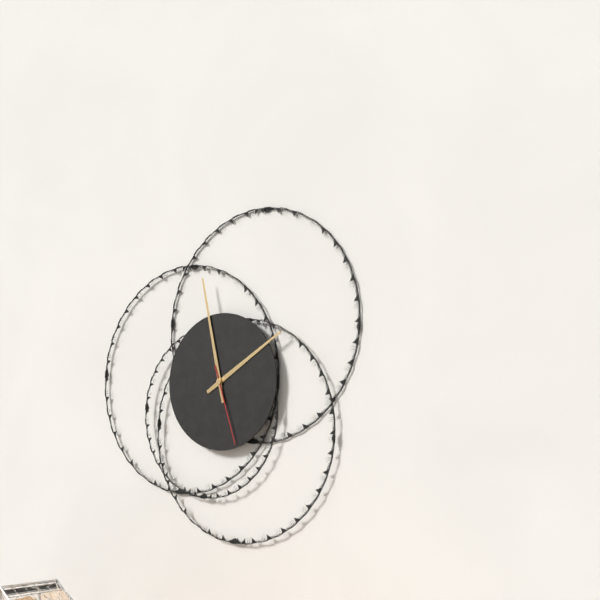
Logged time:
1,58,27
